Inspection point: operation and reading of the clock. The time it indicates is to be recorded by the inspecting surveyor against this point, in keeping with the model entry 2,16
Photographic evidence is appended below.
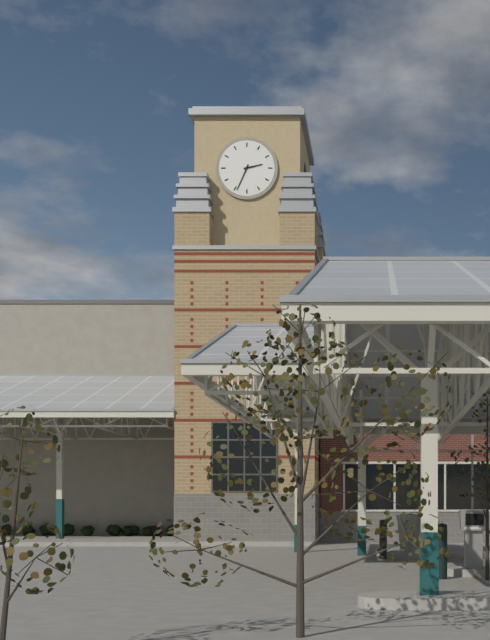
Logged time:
2,34
